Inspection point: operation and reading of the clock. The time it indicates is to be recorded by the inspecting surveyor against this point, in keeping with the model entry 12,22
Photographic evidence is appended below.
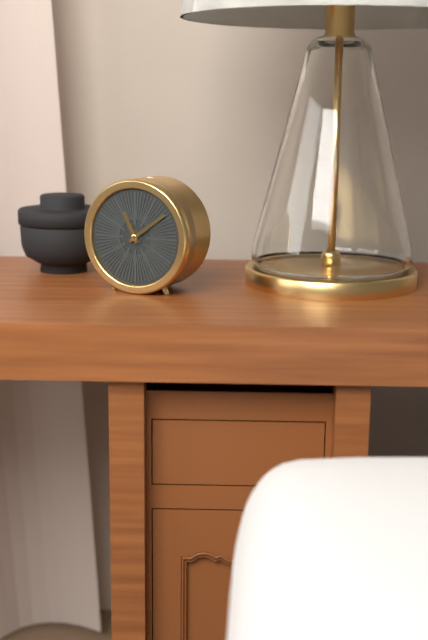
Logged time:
11,09
